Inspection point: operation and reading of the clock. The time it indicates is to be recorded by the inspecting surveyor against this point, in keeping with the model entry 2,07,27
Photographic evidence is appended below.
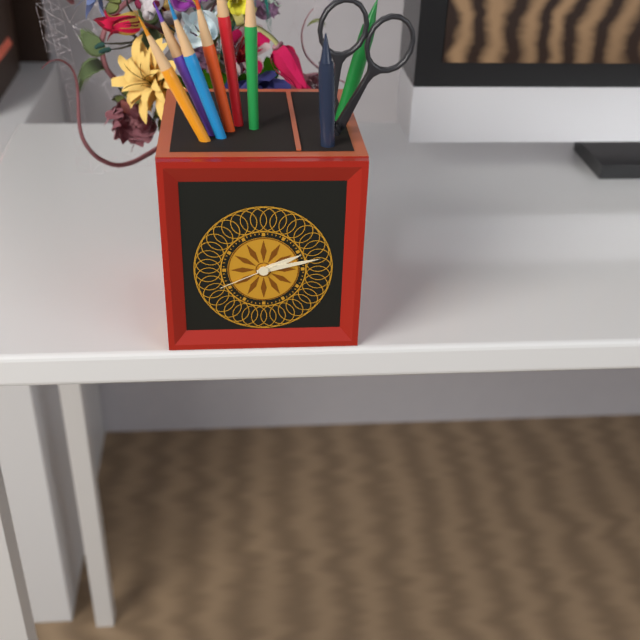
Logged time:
2,13,41
